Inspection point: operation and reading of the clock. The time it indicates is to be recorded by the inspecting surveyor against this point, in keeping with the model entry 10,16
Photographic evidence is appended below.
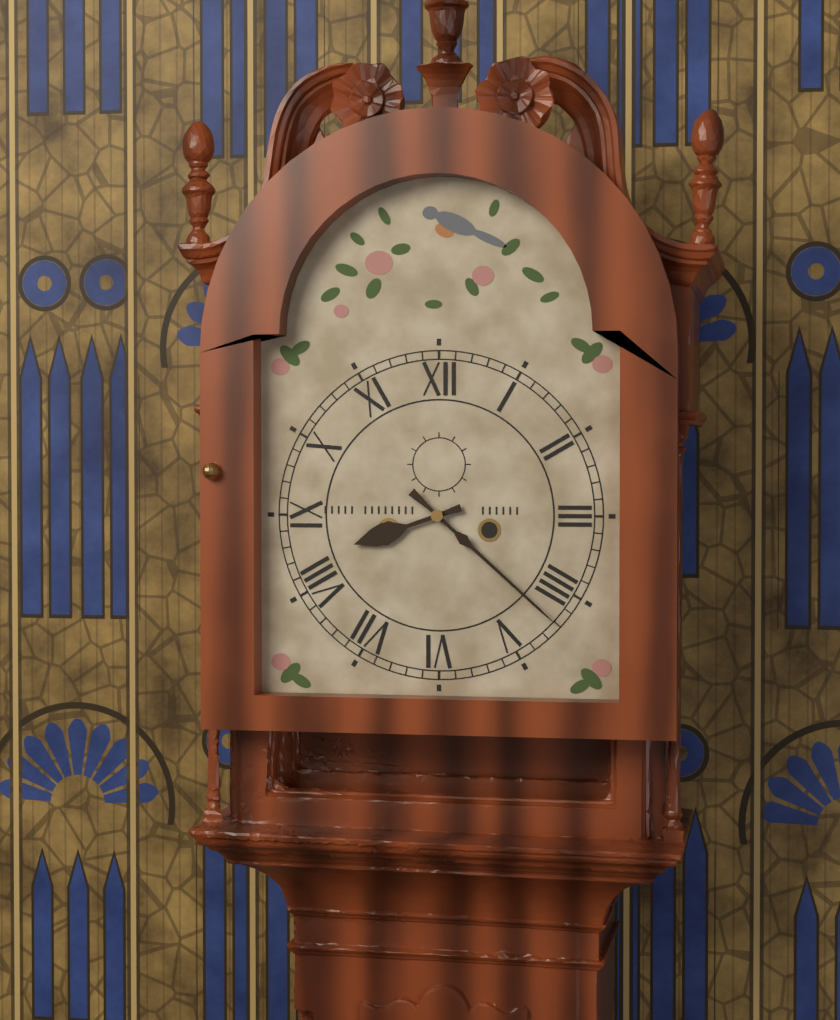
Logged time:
8,22
